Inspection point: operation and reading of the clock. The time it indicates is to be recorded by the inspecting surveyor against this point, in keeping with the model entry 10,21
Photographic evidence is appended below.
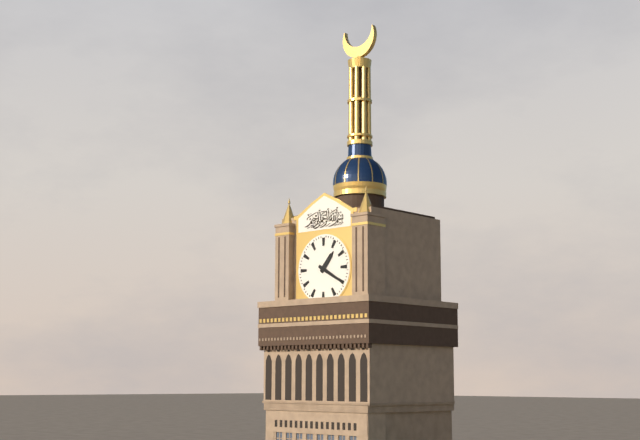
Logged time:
1,20
